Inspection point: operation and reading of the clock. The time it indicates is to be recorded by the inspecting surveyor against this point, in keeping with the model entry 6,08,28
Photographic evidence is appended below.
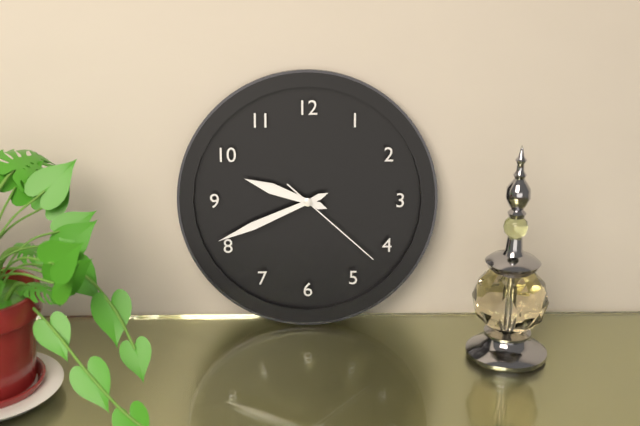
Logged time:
9,41,22
